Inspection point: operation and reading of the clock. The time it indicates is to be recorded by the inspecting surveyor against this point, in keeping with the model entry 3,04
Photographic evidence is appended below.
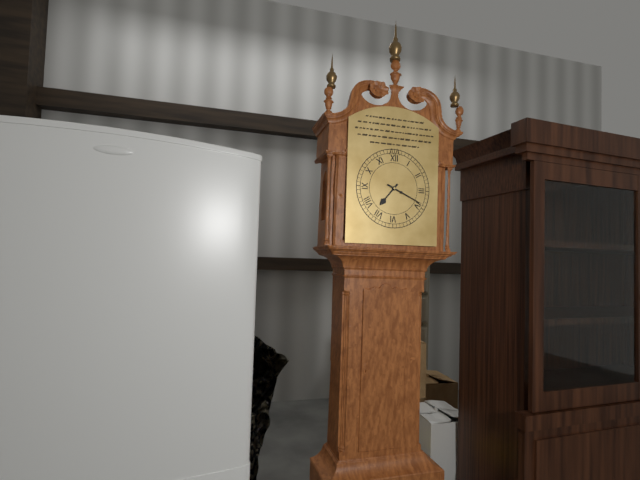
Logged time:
7,19
